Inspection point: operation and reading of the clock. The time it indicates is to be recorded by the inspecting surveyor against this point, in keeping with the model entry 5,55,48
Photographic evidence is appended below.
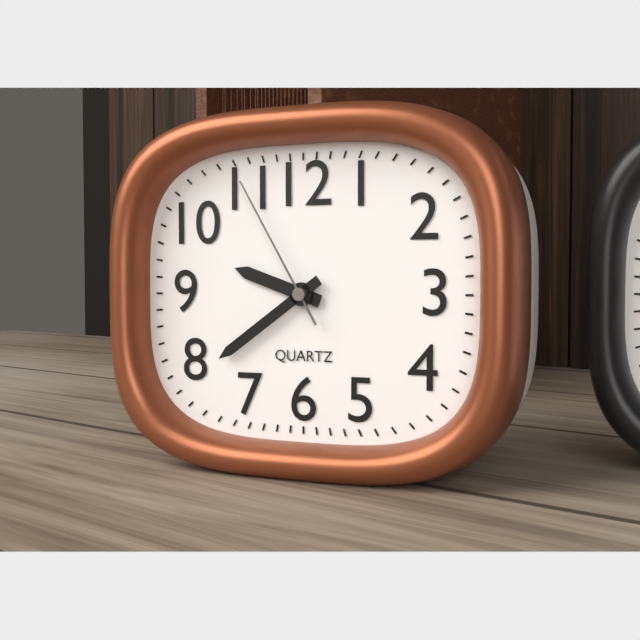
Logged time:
9,39,55
